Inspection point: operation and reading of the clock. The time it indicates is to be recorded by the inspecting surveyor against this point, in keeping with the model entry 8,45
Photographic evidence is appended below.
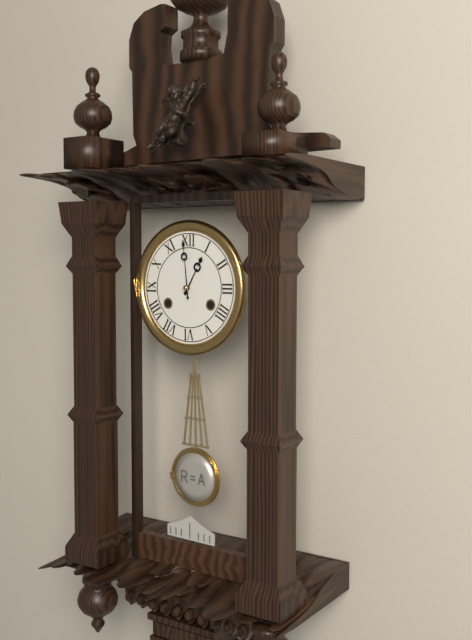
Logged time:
12,59
